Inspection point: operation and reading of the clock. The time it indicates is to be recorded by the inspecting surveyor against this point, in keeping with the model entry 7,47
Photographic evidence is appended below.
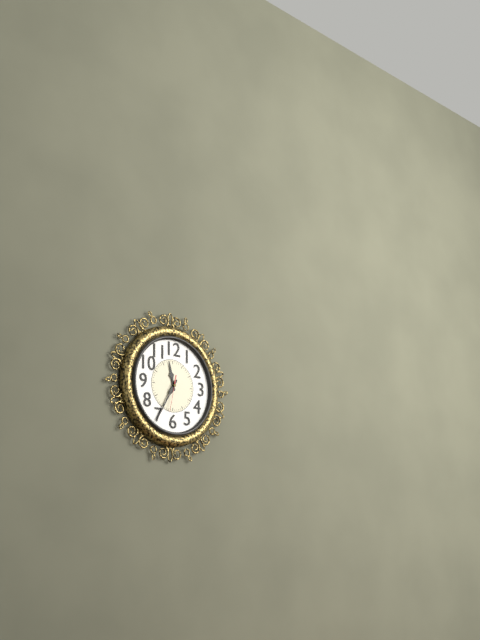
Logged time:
11,35
